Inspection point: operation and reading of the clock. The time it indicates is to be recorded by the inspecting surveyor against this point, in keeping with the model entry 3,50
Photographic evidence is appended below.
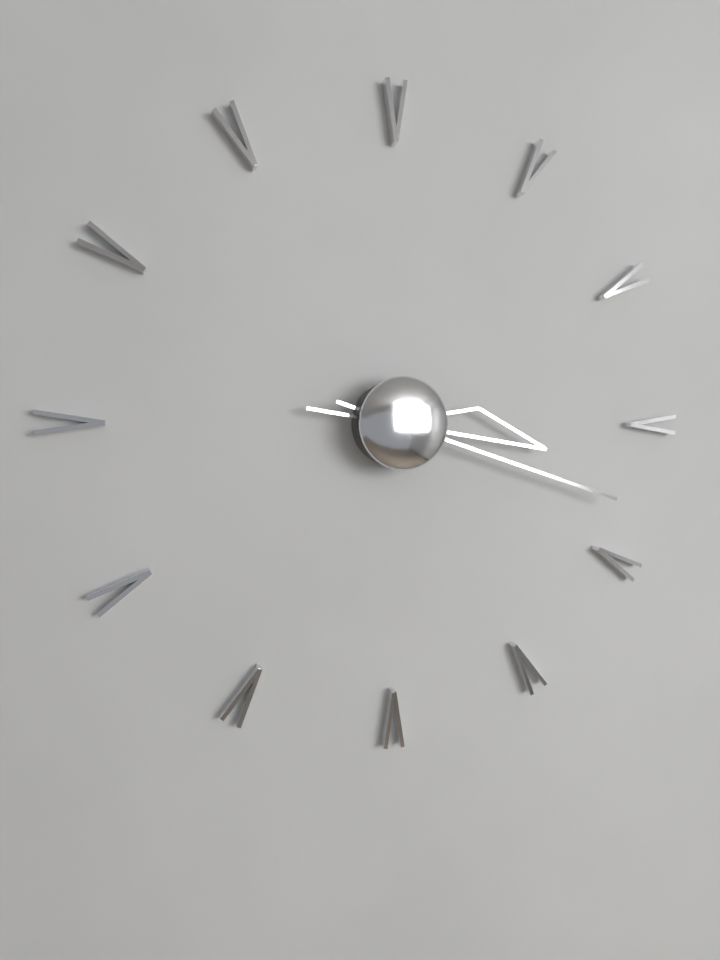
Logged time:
3,18
